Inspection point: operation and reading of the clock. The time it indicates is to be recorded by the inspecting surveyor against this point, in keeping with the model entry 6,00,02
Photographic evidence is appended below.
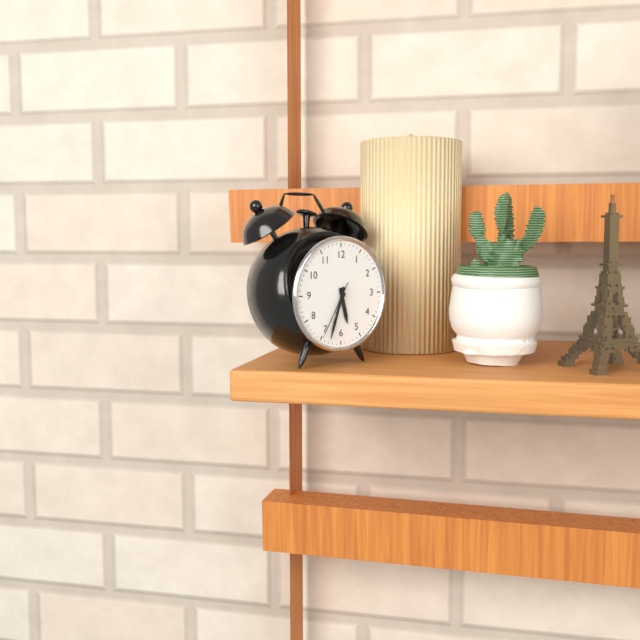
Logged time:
5,33,35
